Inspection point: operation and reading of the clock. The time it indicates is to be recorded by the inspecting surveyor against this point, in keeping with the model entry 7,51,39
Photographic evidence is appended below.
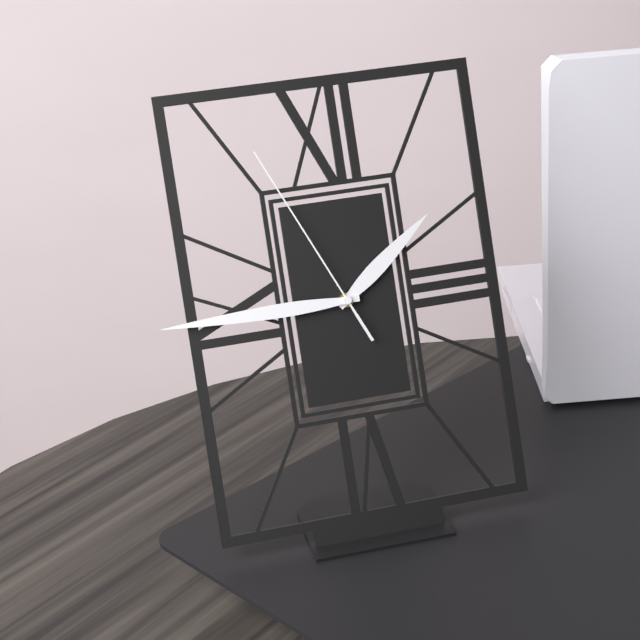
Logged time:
1,45,56
